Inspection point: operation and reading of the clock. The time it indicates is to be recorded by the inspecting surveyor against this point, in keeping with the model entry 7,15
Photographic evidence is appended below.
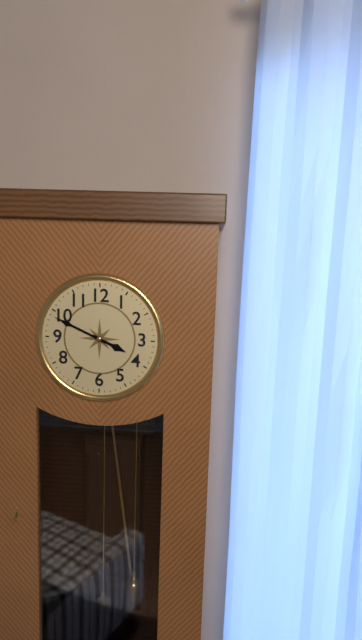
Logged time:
3,49
